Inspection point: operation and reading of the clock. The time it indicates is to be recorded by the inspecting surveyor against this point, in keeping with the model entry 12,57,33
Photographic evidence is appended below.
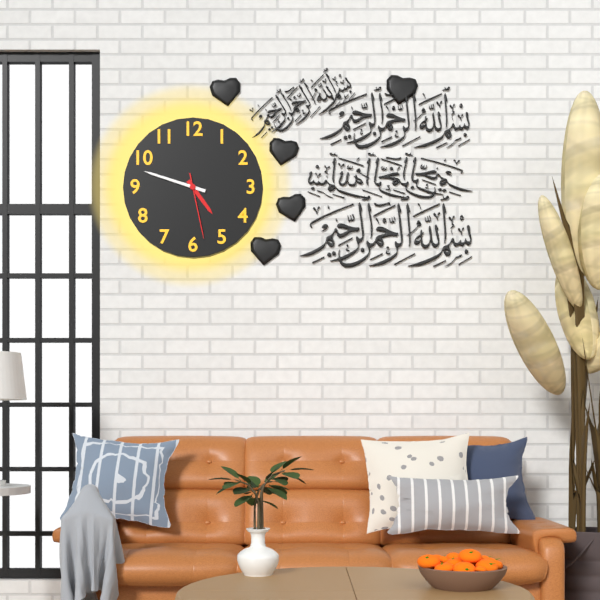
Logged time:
4,48,28
